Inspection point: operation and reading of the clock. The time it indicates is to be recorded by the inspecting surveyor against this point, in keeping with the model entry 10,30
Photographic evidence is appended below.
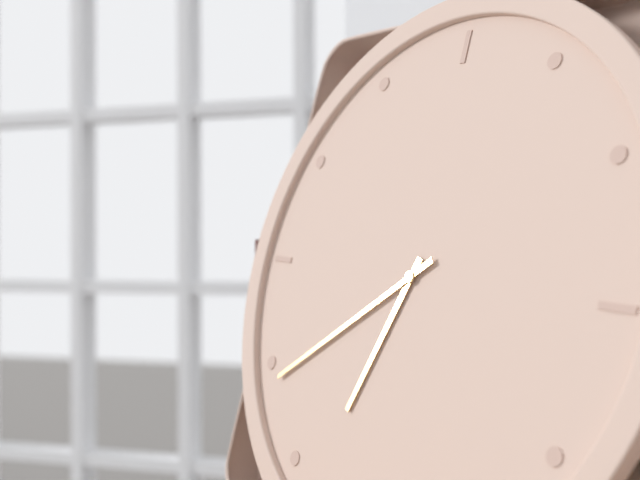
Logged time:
6,39
